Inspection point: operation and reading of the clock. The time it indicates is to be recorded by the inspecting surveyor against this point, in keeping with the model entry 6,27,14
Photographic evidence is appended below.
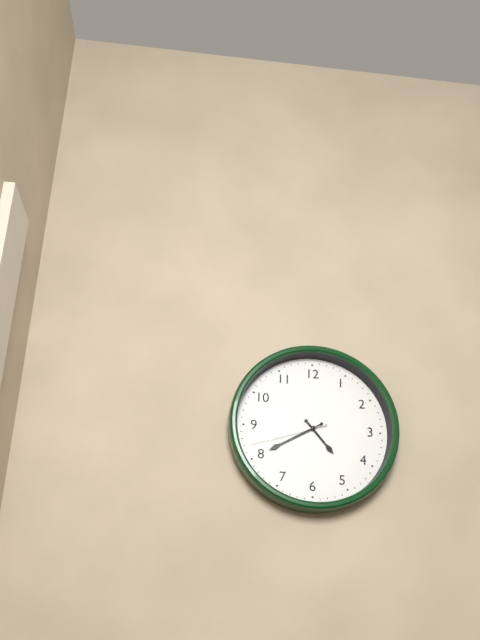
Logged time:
4,40,42
